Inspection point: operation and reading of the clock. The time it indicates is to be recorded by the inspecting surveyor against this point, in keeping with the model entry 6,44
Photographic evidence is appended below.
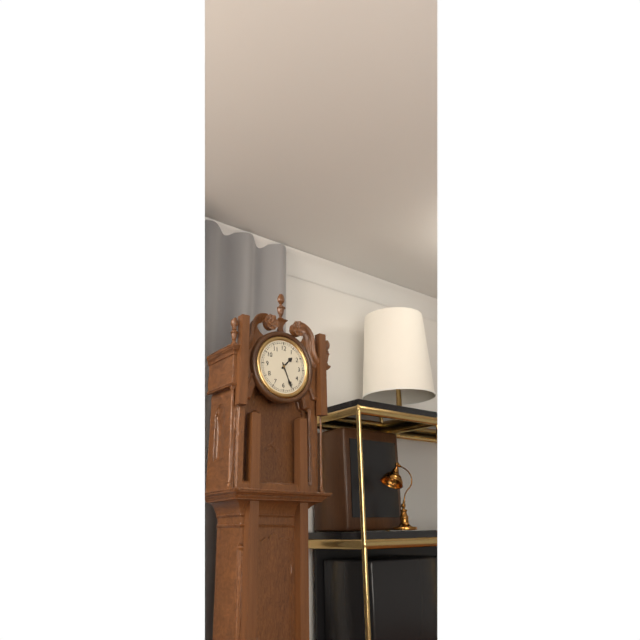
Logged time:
1,26
